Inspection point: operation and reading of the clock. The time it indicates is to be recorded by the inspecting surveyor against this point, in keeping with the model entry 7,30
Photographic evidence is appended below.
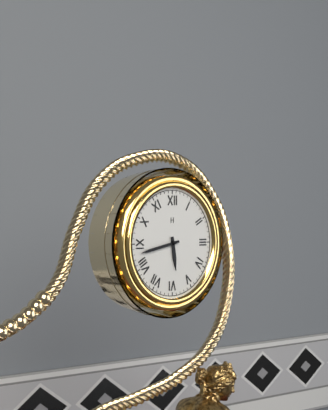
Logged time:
5,43
